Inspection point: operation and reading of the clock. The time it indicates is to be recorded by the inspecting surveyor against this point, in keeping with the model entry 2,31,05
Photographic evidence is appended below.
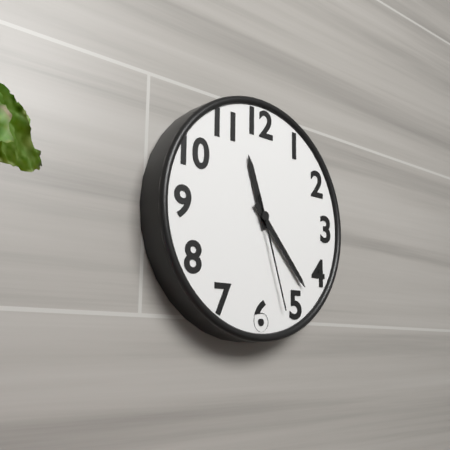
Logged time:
11,23,27
